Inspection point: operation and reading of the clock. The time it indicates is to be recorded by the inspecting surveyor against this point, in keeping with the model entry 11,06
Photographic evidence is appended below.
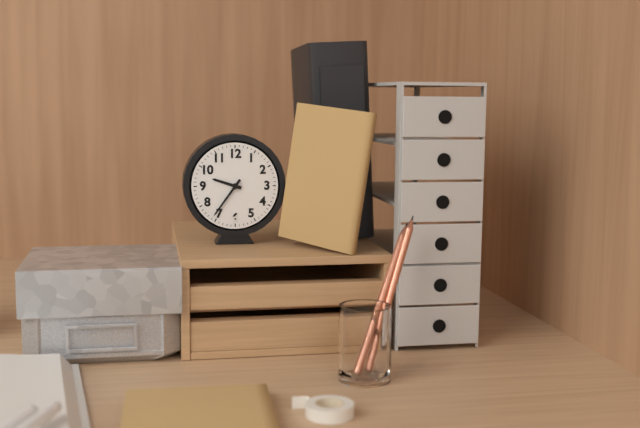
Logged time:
9,36
